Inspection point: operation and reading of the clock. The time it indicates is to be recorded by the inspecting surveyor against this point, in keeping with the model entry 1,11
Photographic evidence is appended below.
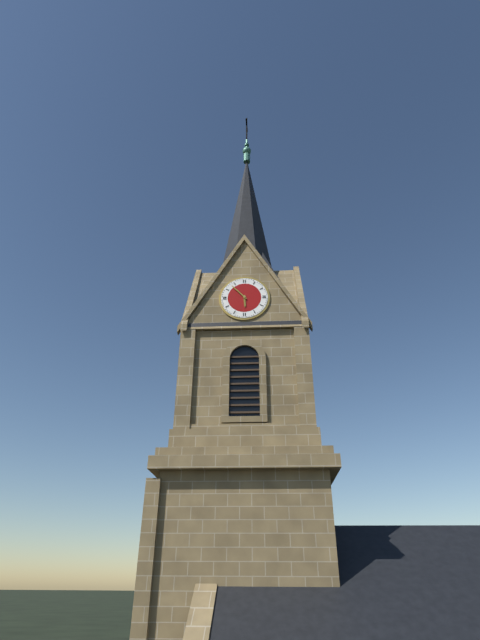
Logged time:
5,53
